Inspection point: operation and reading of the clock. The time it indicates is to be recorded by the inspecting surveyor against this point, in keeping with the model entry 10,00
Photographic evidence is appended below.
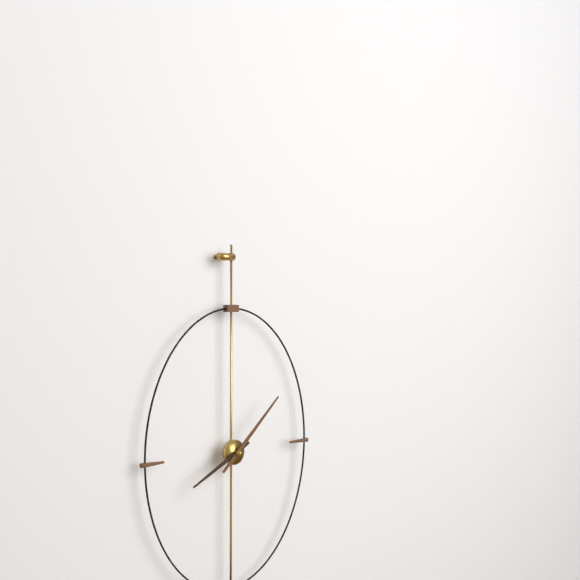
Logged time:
8,08
